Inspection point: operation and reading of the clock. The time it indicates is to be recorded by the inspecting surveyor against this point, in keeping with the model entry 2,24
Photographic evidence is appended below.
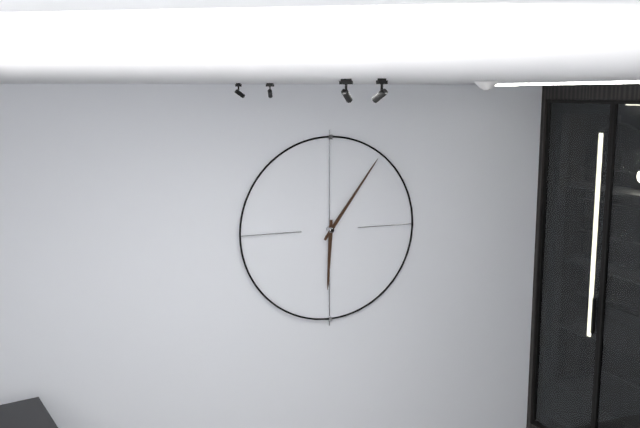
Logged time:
6,06
